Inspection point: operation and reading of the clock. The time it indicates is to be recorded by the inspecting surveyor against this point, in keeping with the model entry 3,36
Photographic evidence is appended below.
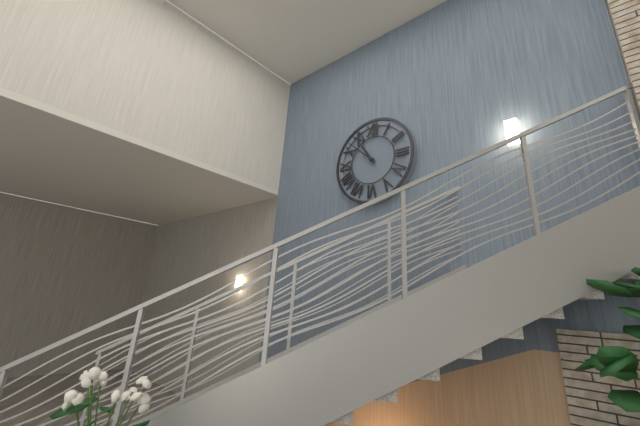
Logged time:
10,52
